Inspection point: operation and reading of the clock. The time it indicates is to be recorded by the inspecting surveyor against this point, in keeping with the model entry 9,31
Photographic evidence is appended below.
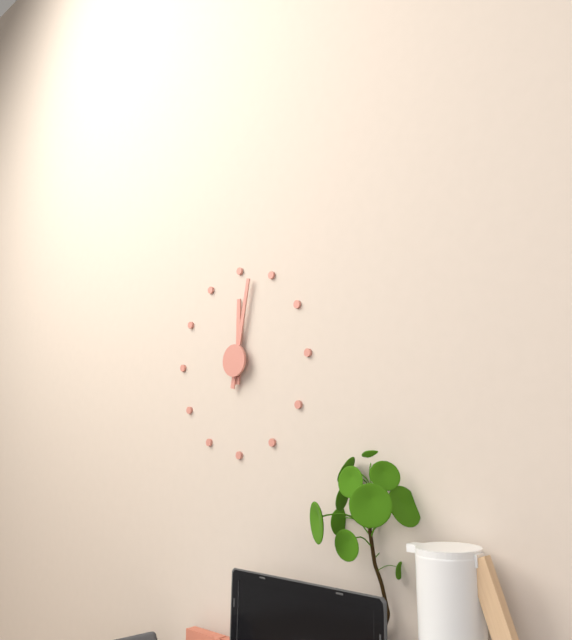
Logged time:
12,02
